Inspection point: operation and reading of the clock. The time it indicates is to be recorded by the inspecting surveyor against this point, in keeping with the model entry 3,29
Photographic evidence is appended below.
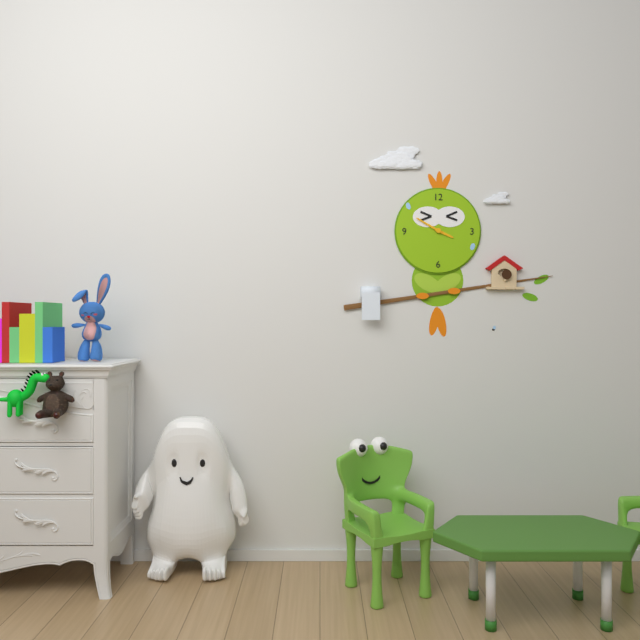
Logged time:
3,50
